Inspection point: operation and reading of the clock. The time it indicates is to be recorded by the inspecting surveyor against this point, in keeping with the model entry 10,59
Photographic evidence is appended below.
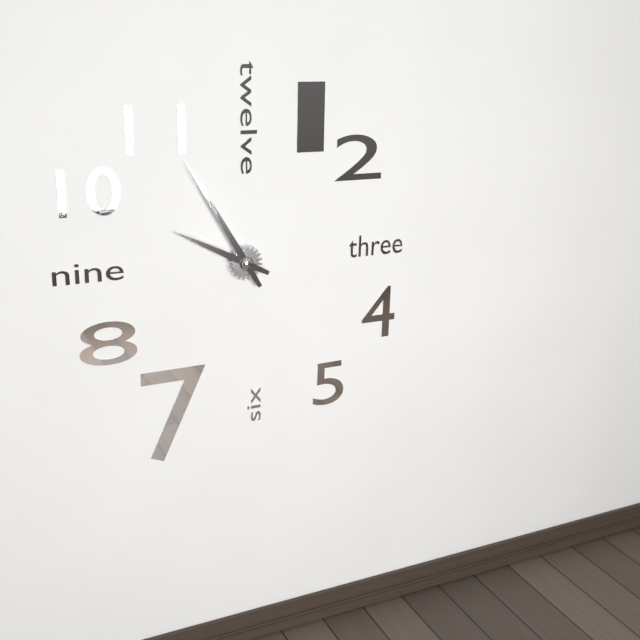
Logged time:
9,55
